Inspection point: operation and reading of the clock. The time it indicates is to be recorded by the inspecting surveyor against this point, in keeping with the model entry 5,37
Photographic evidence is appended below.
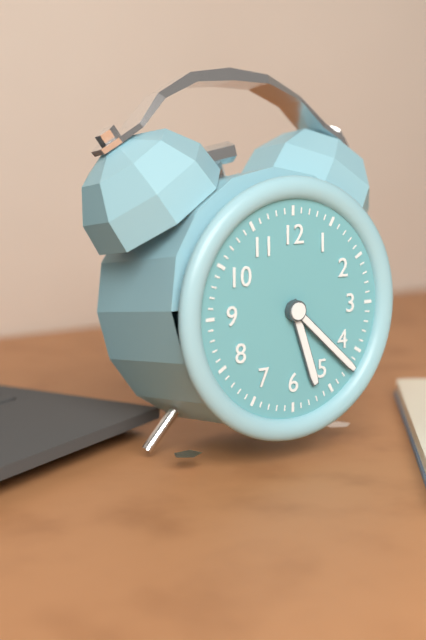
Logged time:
5,22
